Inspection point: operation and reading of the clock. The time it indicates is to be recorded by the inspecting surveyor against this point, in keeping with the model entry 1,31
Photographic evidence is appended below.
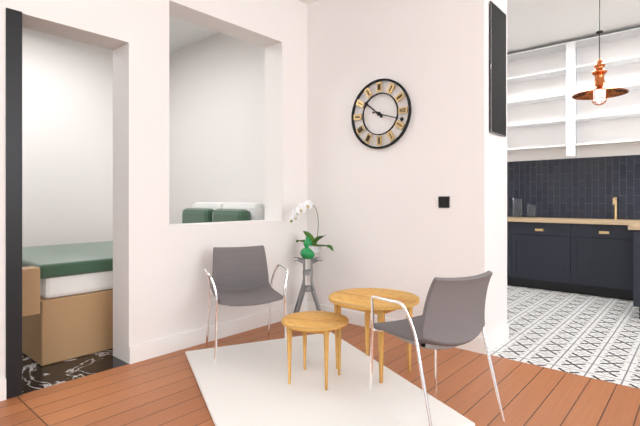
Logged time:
10,18
